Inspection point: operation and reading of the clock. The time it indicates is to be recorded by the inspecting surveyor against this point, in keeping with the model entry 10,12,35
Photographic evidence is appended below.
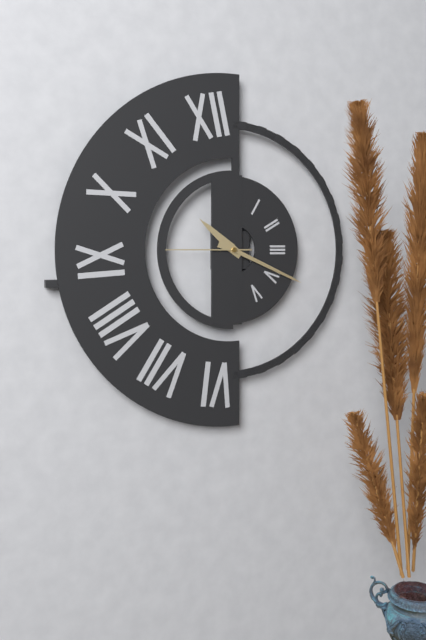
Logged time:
10,19,45
